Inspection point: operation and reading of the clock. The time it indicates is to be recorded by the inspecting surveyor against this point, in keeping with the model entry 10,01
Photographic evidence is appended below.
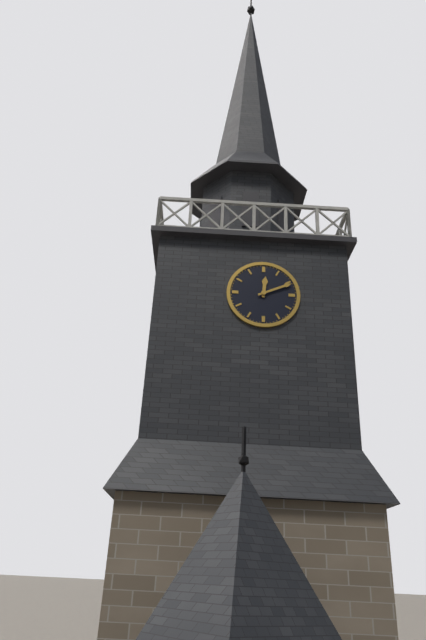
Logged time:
12,11
